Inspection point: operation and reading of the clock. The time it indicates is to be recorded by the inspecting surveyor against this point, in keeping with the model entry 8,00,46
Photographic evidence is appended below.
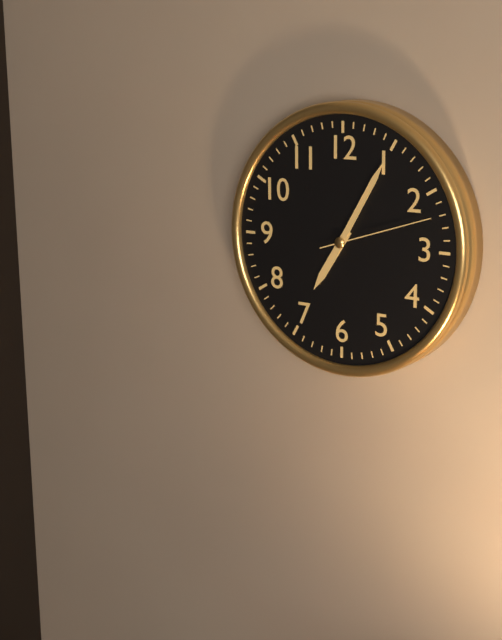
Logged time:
7,05,12
